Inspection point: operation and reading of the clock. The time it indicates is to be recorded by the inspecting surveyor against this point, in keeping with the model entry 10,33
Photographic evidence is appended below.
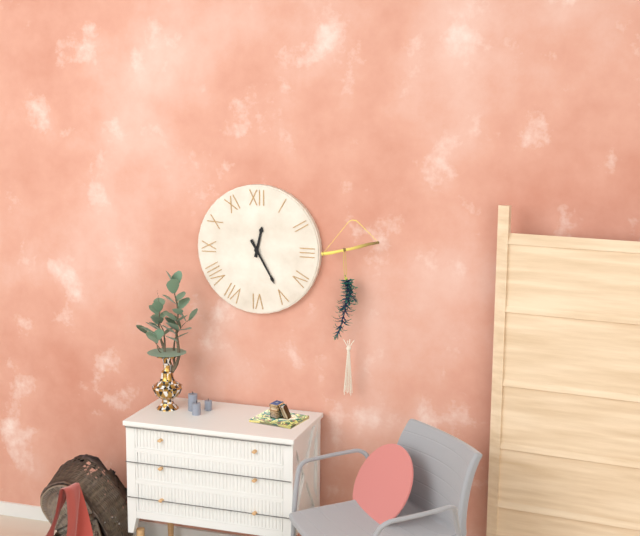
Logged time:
12,25
